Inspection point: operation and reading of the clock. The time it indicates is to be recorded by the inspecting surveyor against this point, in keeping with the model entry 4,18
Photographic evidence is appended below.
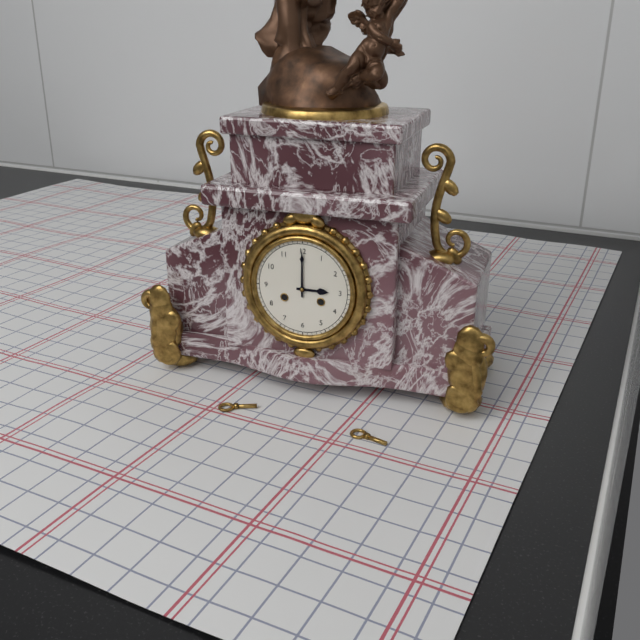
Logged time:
3,00
